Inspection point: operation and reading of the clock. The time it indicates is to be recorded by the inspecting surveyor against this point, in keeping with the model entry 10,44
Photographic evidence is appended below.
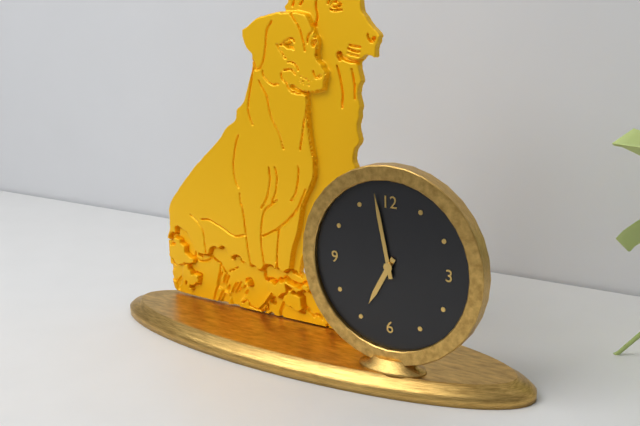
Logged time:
6,58
